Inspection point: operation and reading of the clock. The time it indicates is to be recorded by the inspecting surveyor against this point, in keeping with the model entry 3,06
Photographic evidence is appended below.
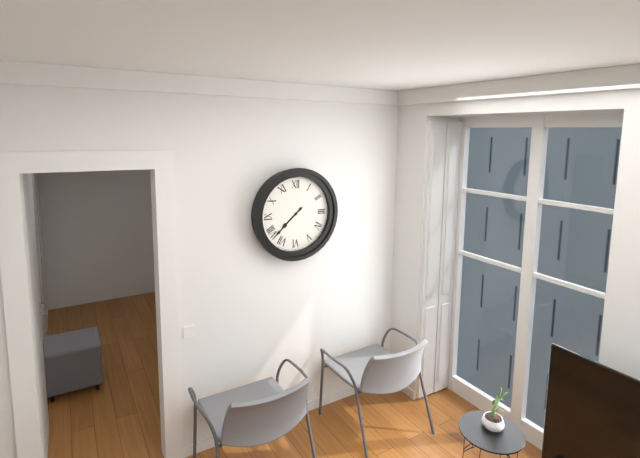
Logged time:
7,38
